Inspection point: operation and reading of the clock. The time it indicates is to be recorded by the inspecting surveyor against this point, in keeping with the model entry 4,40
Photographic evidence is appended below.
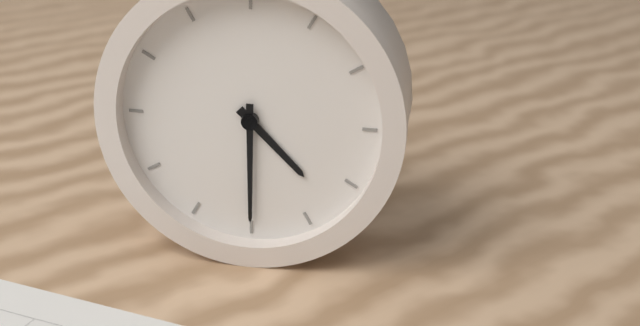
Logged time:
4,30
